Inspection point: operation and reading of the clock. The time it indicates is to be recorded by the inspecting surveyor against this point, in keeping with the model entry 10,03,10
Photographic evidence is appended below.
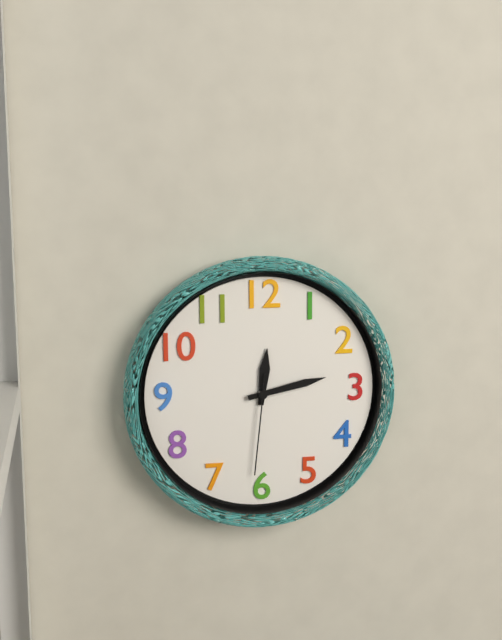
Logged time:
12,13,31
